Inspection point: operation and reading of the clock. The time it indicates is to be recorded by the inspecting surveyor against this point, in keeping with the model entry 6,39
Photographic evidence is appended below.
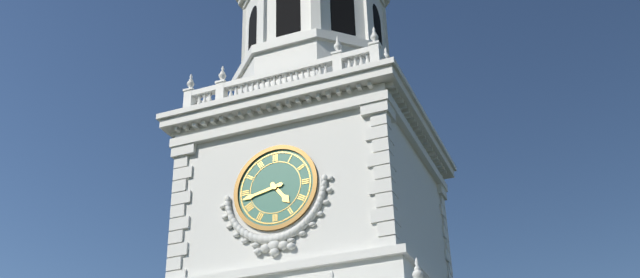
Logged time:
4,43
